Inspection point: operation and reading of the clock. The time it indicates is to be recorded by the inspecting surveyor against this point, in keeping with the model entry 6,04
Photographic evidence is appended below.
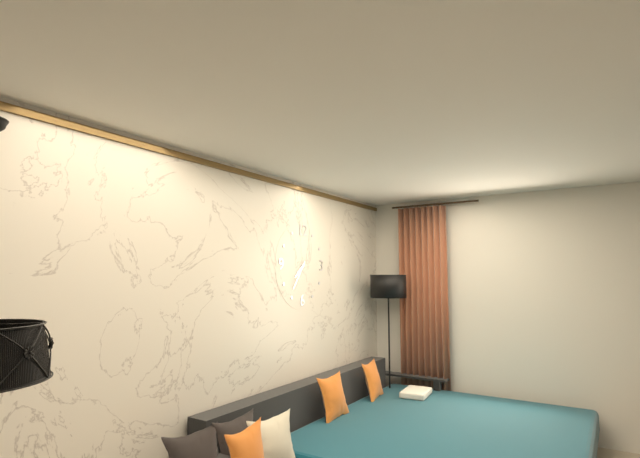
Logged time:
7,36
